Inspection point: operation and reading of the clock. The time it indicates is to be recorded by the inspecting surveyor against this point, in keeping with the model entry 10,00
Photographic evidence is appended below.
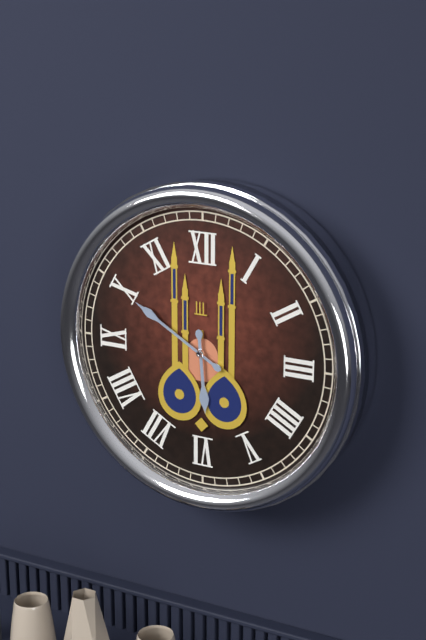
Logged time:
5,50
